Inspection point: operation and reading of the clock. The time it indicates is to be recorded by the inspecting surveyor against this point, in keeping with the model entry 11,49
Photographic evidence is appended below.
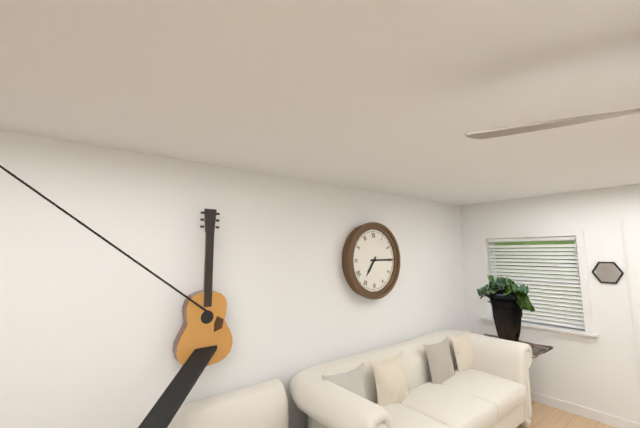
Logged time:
7,15
